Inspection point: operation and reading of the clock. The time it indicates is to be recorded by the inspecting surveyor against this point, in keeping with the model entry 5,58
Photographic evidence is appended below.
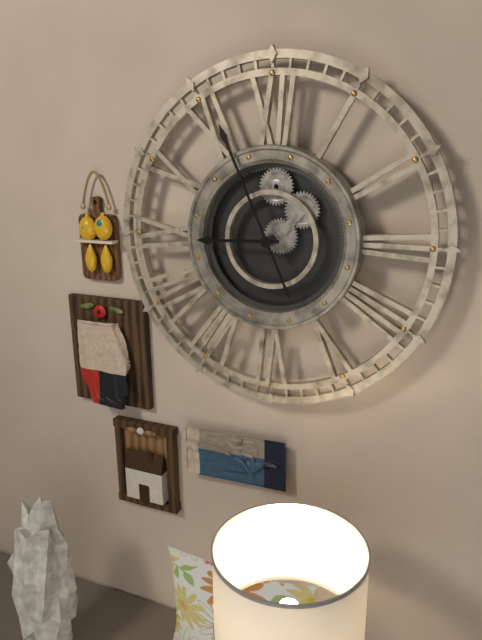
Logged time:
8,56
